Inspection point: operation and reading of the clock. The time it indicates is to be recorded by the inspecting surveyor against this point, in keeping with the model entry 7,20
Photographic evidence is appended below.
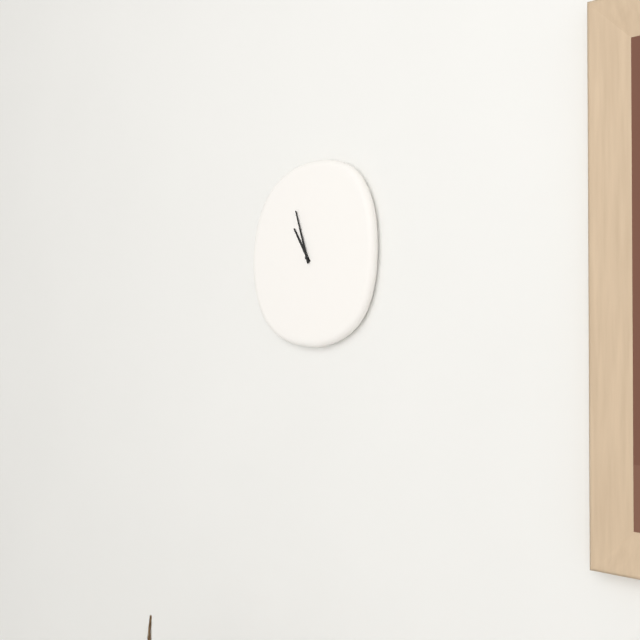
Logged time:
10,57
